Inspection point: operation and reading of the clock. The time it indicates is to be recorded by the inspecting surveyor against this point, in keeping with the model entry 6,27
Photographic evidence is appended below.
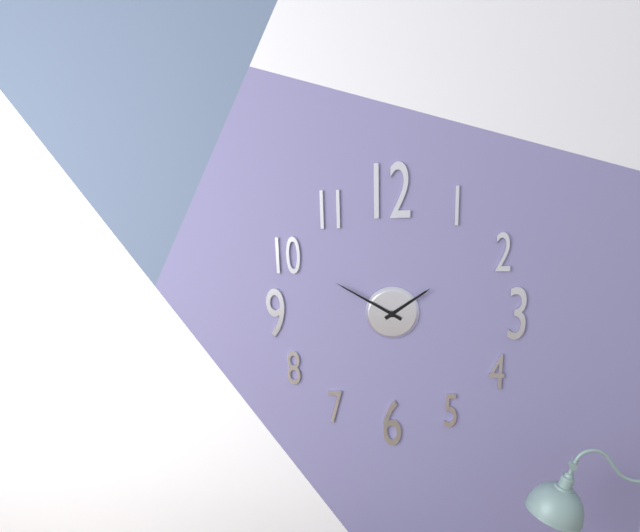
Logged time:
1,50
